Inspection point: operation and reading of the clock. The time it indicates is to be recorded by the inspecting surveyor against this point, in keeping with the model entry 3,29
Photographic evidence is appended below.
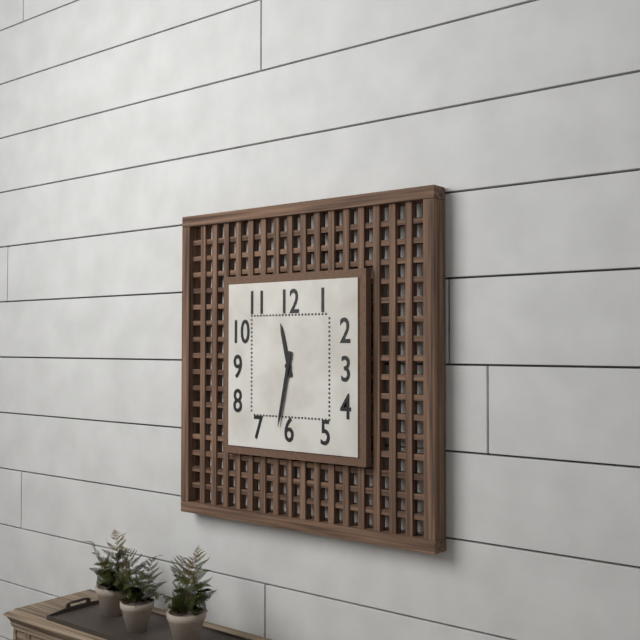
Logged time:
11,32
